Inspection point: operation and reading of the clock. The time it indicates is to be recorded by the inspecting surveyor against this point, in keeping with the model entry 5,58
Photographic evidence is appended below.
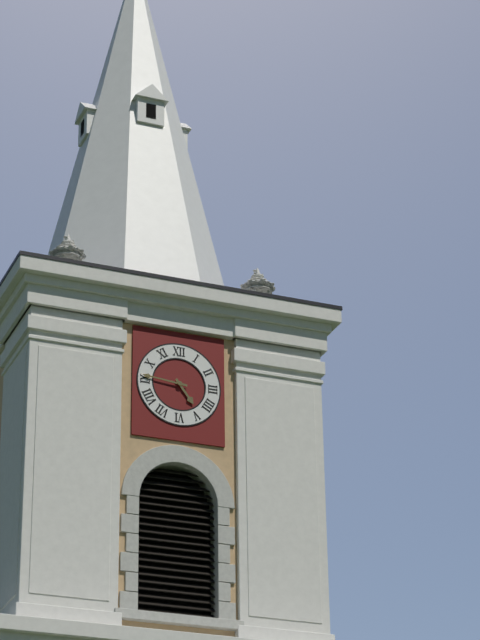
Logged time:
4,46
